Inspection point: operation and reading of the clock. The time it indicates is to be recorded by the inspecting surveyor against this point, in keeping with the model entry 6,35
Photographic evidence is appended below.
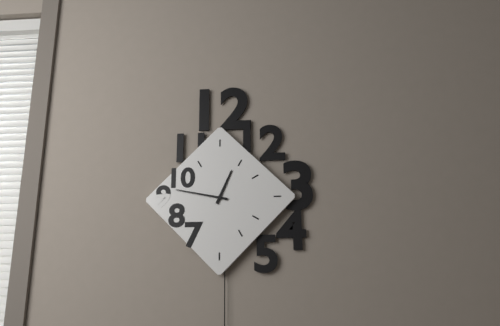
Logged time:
12,47
